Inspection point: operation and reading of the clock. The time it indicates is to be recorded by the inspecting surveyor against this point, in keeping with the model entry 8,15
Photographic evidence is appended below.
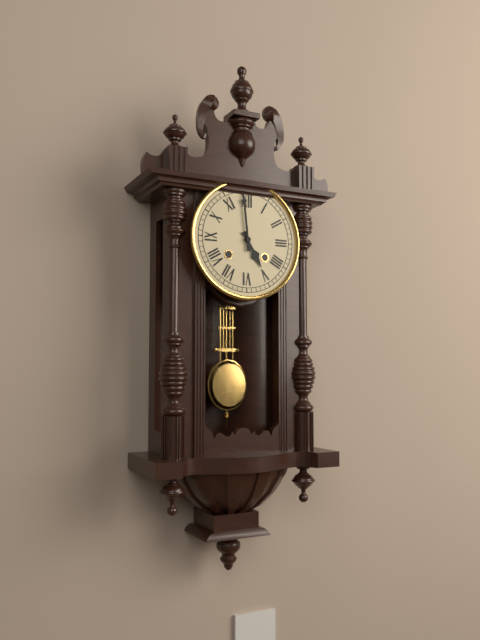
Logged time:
4,59
